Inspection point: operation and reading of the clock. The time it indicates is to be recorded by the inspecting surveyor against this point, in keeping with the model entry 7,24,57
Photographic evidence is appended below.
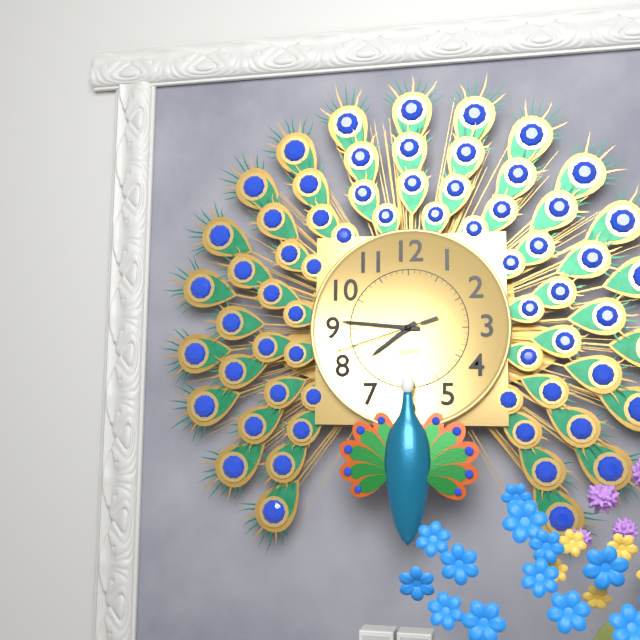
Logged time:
7,46,42
